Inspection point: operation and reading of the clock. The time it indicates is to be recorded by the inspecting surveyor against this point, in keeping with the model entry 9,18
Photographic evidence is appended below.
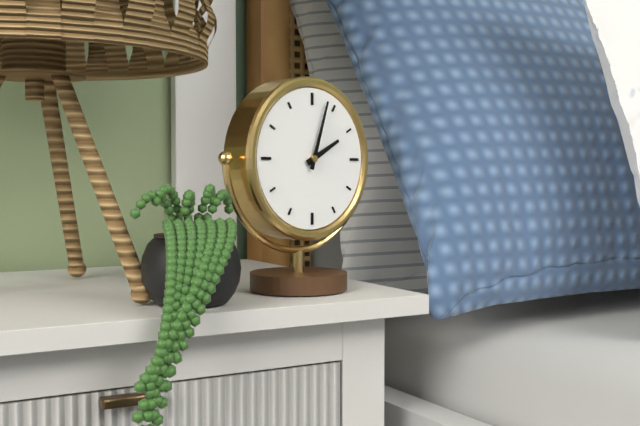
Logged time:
2,03
